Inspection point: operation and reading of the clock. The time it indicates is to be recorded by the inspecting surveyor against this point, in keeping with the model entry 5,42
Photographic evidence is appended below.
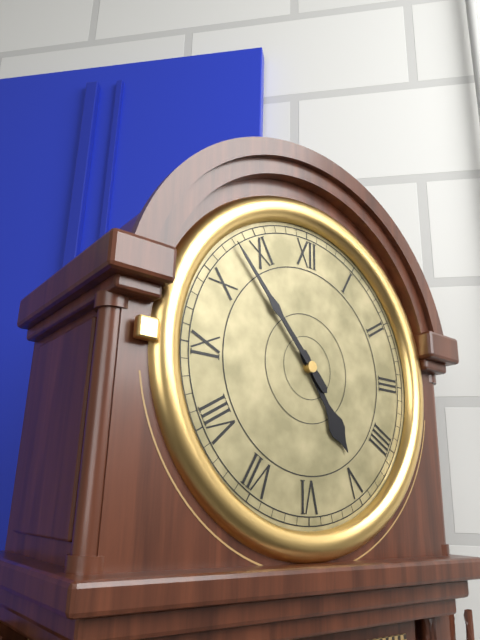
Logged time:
4,53
